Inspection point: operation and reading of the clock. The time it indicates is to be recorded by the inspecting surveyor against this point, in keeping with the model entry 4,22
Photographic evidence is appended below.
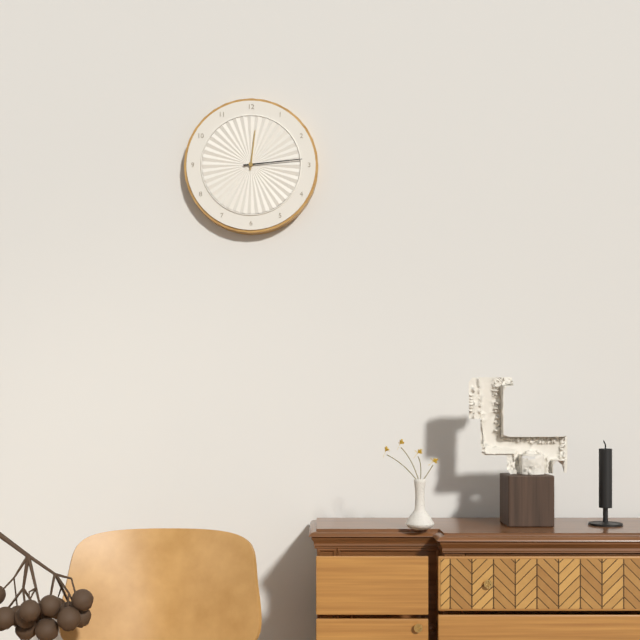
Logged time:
12,14
